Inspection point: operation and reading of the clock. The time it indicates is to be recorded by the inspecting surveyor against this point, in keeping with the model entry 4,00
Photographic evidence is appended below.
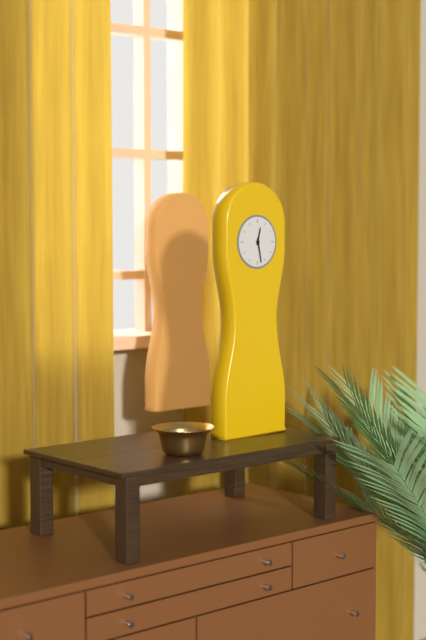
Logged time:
12,28
